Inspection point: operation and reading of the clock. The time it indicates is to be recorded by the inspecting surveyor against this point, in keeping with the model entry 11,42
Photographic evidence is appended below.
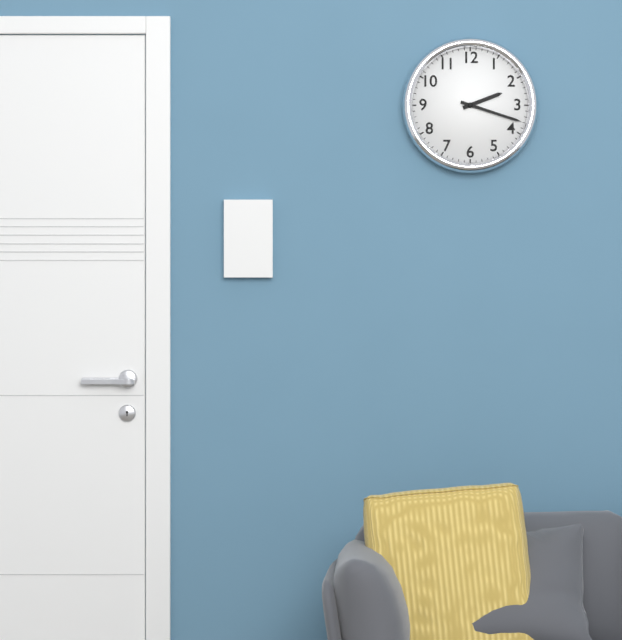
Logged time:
2,18
